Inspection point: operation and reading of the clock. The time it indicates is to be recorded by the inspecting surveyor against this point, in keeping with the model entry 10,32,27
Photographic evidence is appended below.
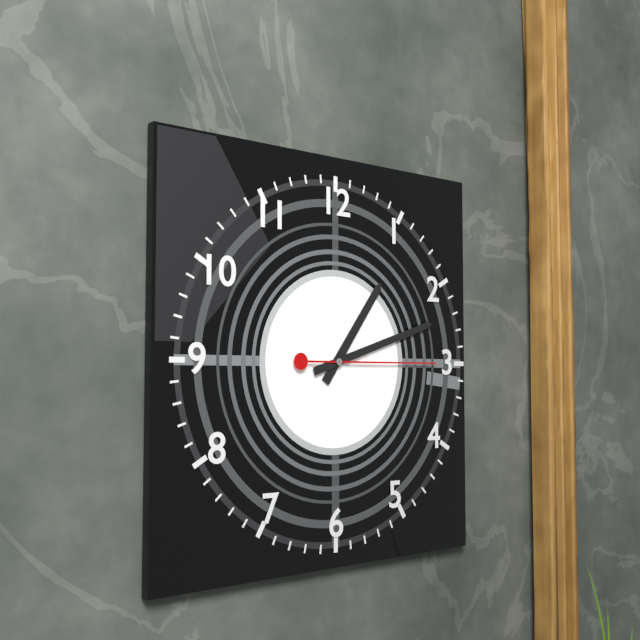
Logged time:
1,12,15
